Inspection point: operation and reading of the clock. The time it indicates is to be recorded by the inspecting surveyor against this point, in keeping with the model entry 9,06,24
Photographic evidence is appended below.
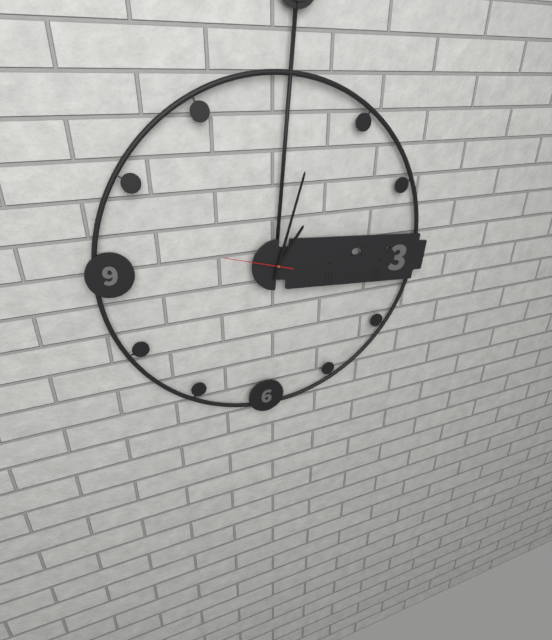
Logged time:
1,02,47
